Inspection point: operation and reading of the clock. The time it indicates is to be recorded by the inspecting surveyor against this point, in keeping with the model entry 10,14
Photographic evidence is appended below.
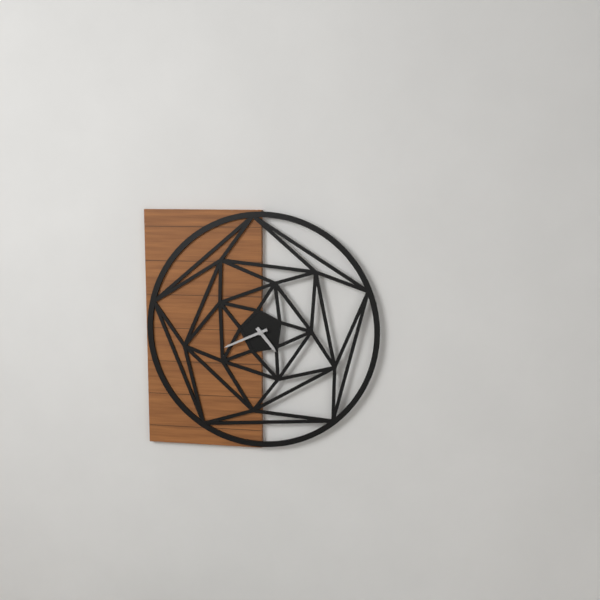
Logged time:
4,41
